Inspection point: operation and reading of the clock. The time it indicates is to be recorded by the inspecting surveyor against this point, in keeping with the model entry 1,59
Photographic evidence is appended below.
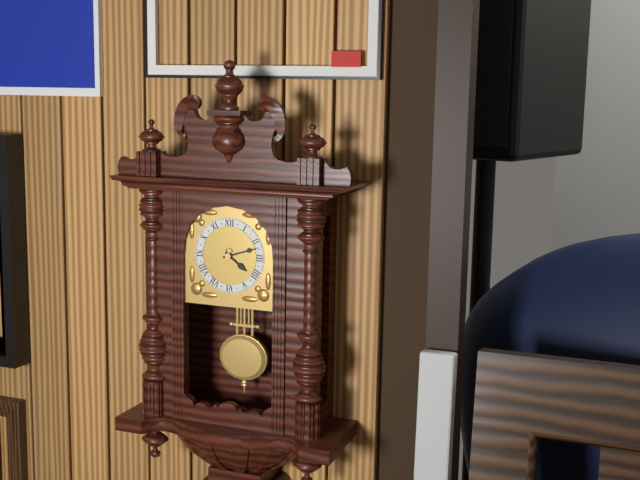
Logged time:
4,12
